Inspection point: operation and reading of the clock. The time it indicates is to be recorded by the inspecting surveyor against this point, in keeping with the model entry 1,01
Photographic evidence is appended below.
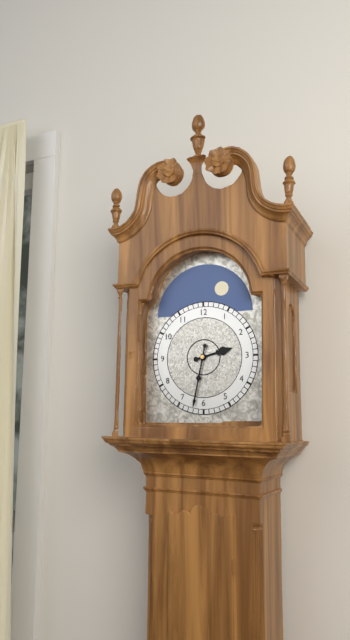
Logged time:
2,32
